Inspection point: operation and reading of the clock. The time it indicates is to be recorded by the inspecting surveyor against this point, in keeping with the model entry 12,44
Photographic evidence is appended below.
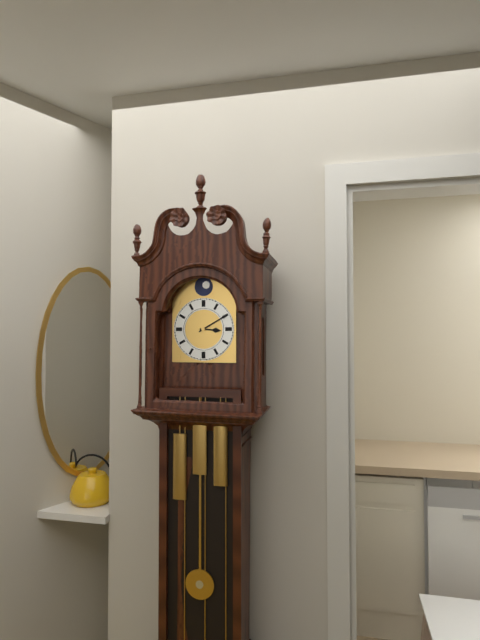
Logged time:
3,10
